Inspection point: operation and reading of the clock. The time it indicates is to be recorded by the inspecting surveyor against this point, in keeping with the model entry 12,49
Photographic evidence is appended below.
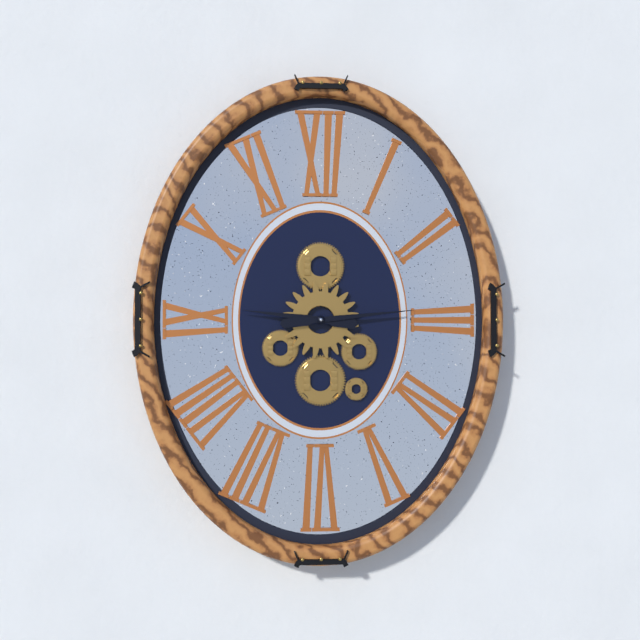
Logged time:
9,14
